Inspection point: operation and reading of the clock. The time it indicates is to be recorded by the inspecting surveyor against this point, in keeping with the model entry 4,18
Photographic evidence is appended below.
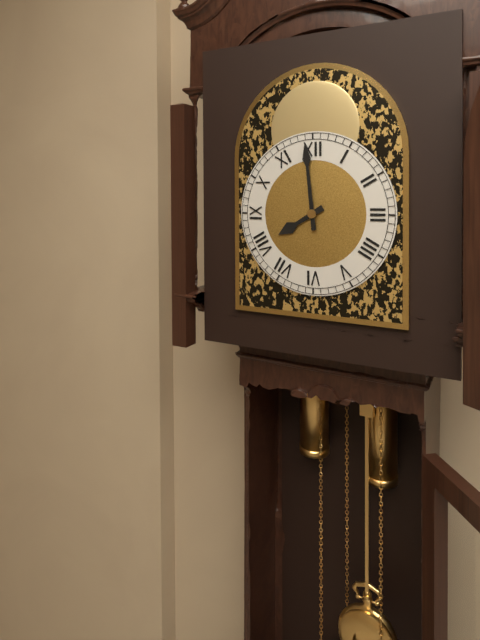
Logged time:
7,59
